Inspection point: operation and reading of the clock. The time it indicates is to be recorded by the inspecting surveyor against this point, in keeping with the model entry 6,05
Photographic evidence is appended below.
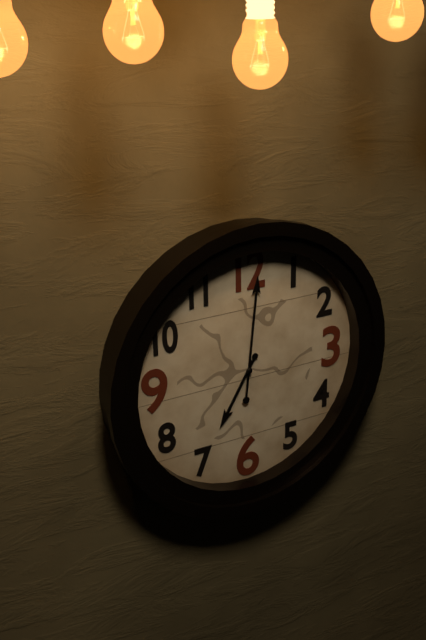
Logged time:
7,01
